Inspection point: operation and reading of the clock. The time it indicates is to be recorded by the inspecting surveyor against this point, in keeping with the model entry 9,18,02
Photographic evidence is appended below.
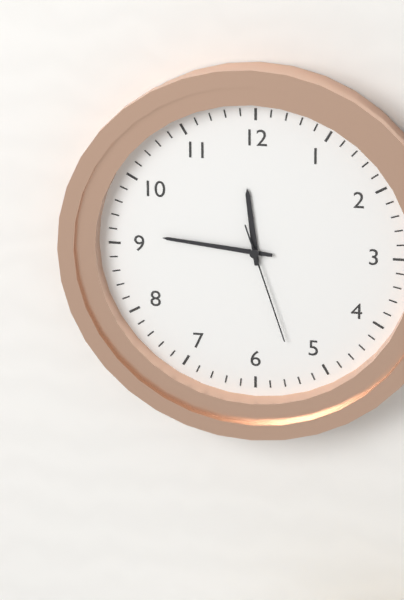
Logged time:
11,46,27
